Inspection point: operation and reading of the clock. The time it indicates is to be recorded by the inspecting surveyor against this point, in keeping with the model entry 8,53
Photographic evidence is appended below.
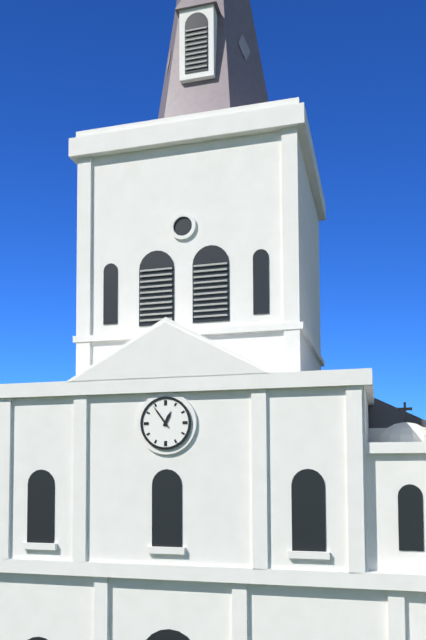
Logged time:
12,54
